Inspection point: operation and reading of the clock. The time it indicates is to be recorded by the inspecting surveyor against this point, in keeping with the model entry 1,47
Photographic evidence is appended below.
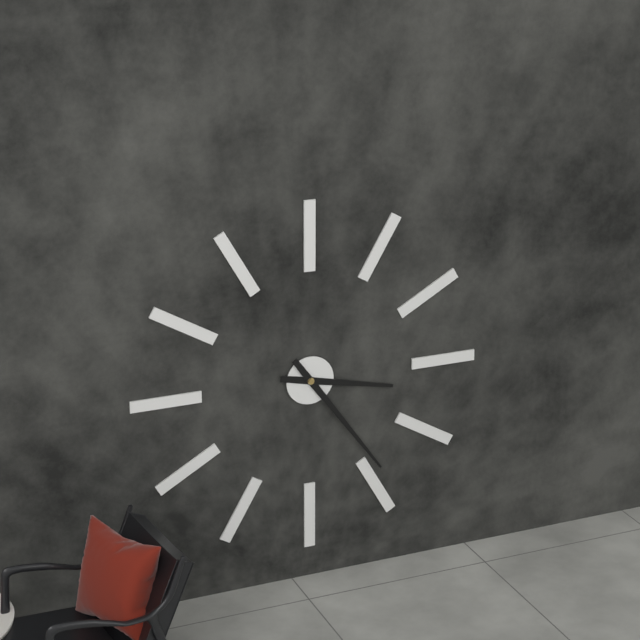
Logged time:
3,24
